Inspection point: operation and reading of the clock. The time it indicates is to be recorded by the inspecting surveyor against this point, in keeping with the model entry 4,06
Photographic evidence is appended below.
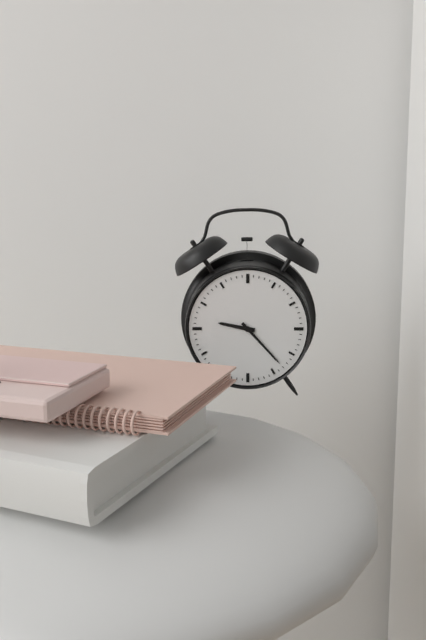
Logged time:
9,23
